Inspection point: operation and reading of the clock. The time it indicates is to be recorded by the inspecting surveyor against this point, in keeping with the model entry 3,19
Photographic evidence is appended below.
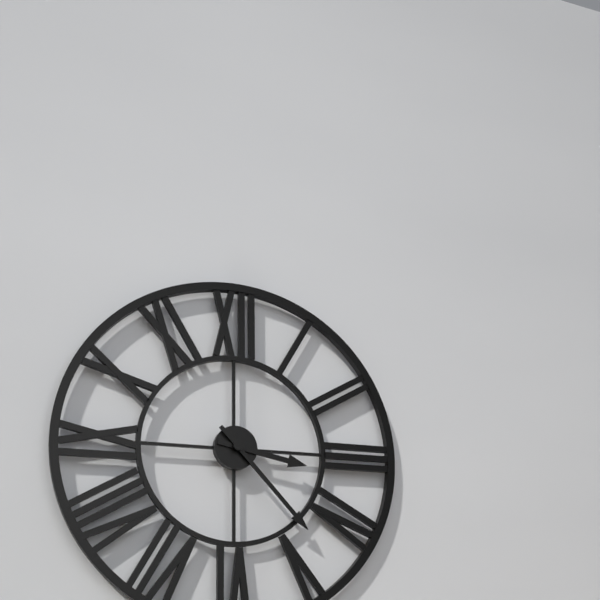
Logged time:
3,23
